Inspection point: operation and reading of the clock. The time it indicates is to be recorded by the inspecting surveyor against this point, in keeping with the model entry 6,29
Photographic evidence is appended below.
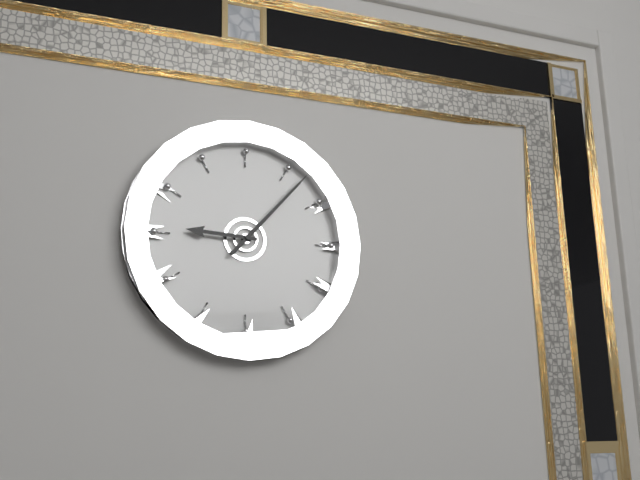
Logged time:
9,07
